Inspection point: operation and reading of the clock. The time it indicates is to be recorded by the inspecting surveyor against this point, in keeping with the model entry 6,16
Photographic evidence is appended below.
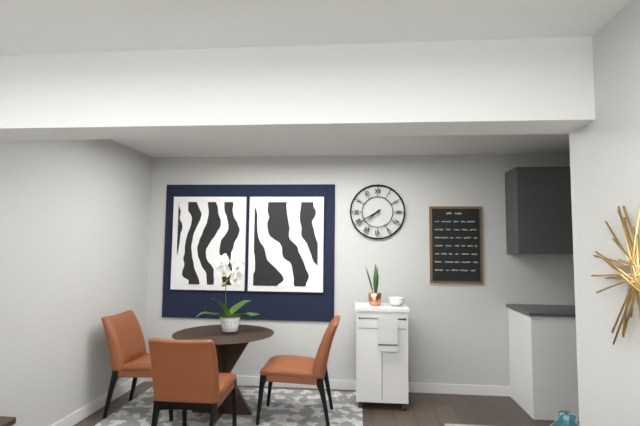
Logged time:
7,40
